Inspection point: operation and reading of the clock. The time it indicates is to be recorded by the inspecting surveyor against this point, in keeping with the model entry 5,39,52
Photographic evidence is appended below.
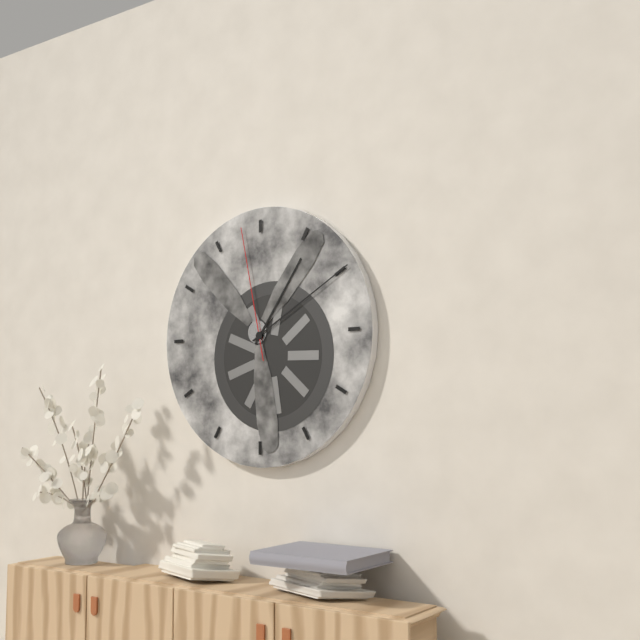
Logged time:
1,10,58
